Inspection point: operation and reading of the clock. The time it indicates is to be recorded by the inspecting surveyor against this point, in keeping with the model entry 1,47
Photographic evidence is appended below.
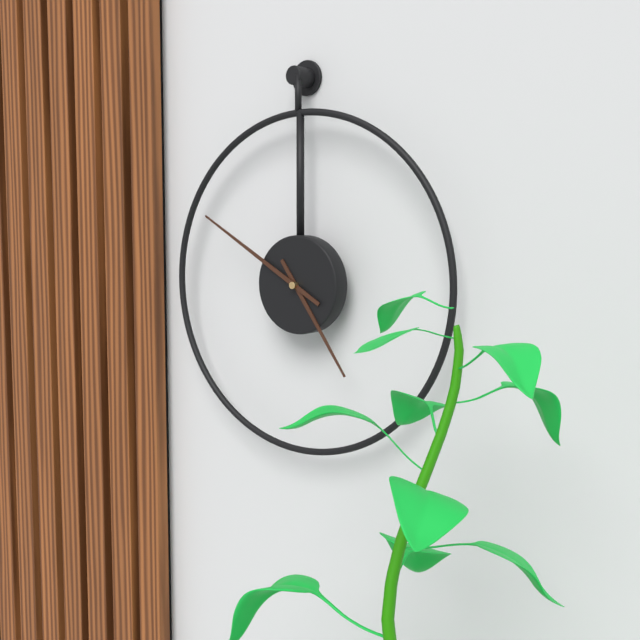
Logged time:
4,50
